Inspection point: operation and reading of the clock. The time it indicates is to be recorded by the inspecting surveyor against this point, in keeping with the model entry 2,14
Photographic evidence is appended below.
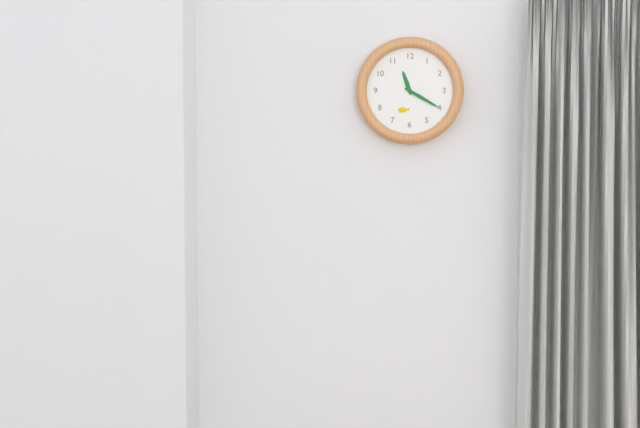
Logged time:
11,20
